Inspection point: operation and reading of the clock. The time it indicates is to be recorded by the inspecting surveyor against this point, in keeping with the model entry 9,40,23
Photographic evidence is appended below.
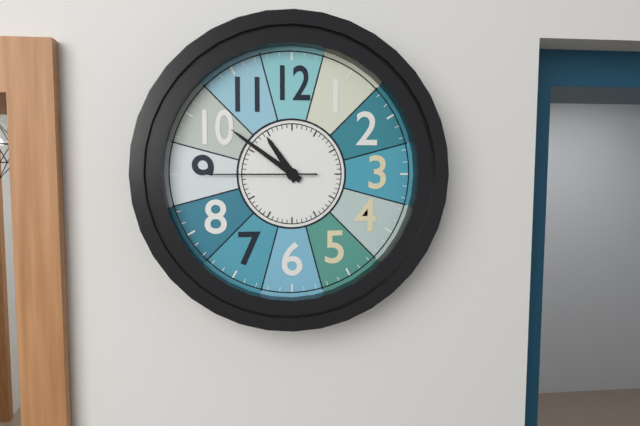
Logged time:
10,51,45
